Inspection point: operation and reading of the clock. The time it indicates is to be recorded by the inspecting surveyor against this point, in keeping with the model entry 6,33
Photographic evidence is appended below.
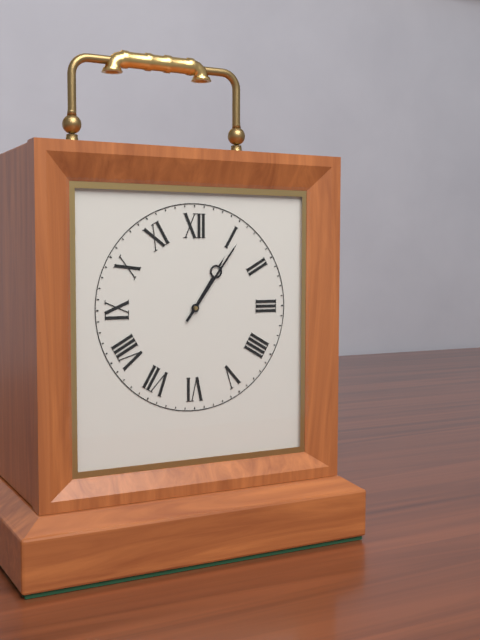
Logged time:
1,06
